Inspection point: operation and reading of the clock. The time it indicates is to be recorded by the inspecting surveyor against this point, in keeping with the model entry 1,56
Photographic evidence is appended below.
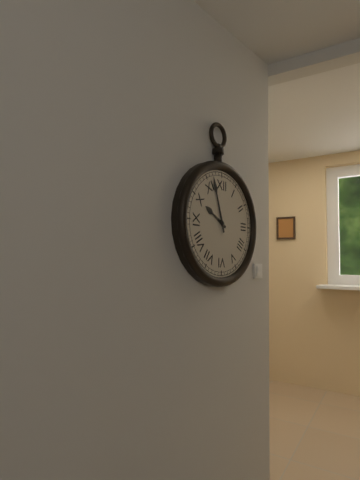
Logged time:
9,57
